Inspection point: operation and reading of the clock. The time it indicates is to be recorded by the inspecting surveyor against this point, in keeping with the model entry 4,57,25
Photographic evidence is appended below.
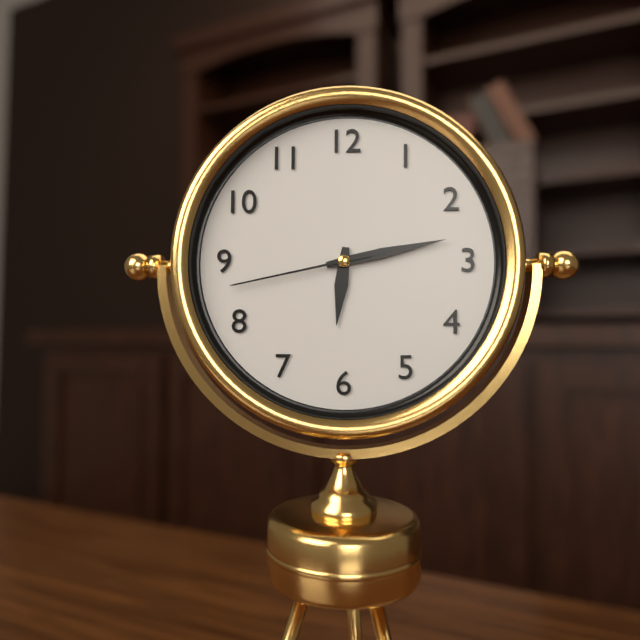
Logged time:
6,13,43
